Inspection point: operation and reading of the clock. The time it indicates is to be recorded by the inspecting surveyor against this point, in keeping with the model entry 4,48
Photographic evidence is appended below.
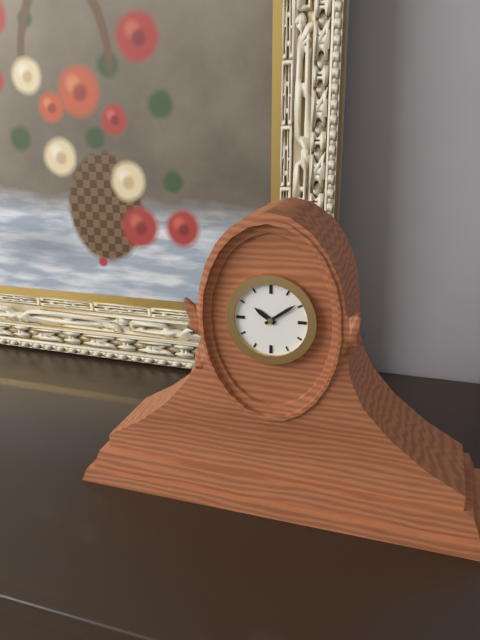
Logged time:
10,09
